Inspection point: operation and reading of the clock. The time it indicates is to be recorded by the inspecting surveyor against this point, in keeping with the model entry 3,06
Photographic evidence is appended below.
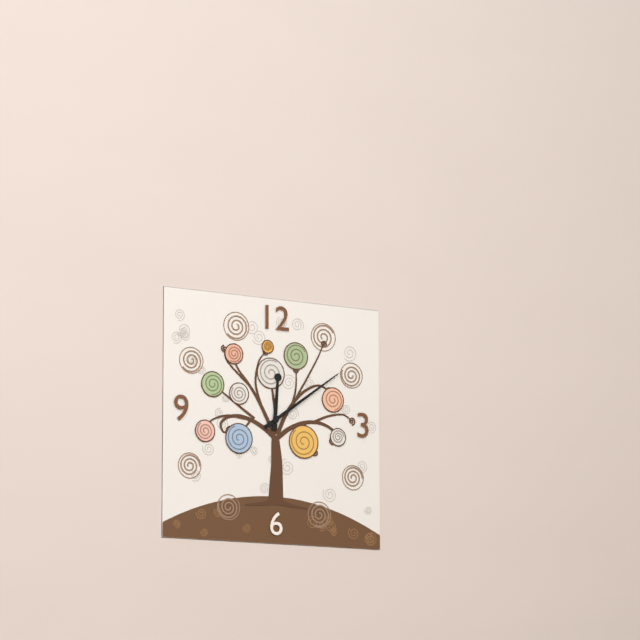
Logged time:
12,09
